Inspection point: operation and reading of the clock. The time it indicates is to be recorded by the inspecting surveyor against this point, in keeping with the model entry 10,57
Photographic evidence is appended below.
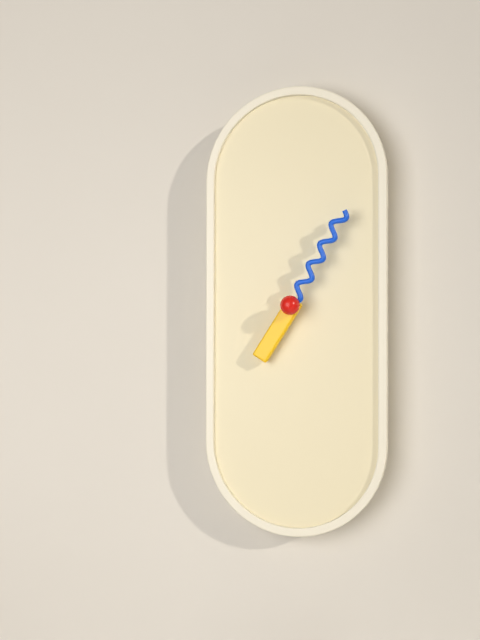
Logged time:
7,05
